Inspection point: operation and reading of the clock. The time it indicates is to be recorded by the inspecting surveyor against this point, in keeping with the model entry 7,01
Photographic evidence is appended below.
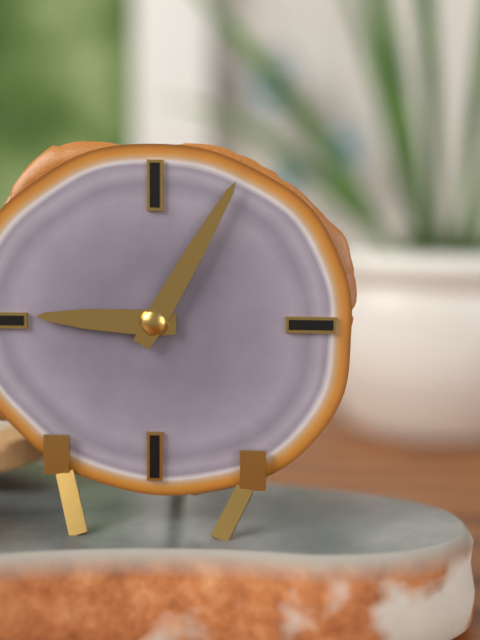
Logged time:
9,05
